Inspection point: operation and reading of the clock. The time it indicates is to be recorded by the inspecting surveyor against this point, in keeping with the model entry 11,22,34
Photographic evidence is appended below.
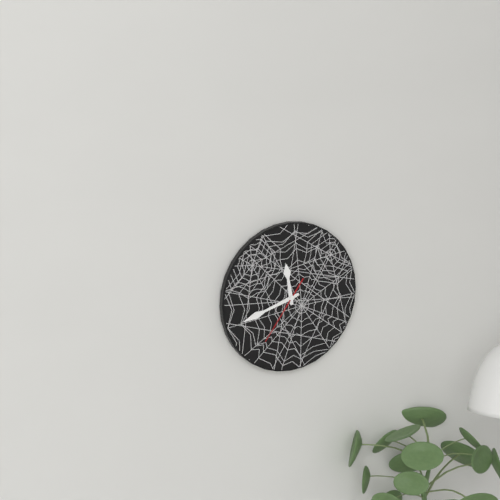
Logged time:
11,42,36
